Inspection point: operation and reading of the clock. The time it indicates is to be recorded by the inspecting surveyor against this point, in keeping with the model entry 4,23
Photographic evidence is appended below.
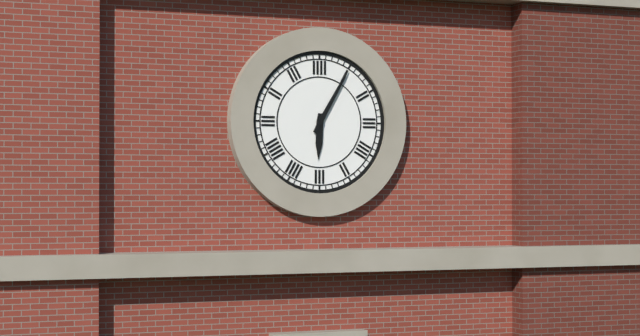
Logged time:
6,05
